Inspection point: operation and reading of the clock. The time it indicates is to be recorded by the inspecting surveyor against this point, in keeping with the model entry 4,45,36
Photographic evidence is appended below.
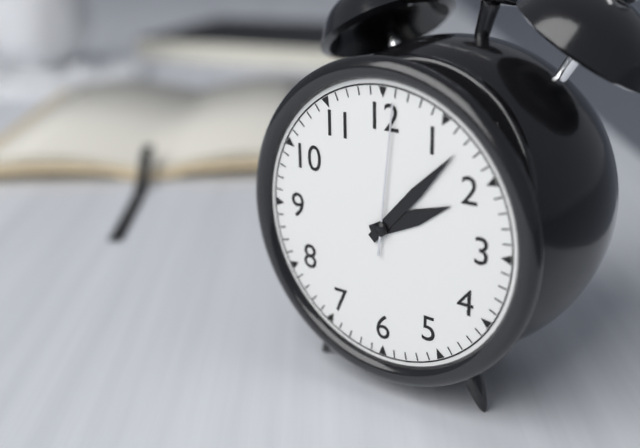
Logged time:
2,07,01
